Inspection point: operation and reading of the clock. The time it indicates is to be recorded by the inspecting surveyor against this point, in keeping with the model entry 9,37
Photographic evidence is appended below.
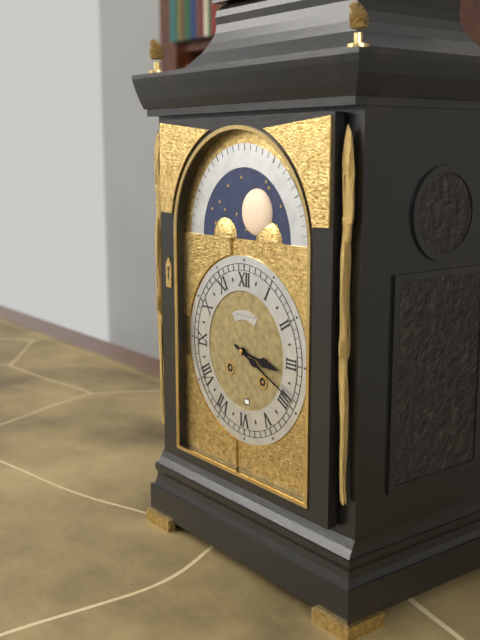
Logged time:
3,19
